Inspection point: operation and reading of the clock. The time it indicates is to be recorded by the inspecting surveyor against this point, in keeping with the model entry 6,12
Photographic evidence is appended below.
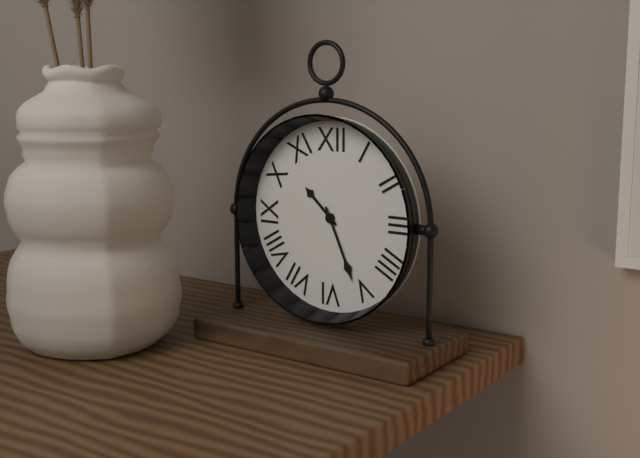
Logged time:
10,26
